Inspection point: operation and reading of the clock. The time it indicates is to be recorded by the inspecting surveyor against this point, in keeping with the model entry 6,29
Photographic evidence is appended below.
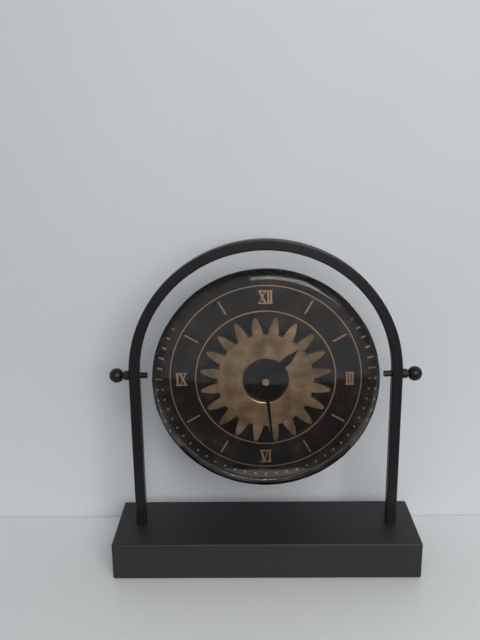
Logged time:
1,29
